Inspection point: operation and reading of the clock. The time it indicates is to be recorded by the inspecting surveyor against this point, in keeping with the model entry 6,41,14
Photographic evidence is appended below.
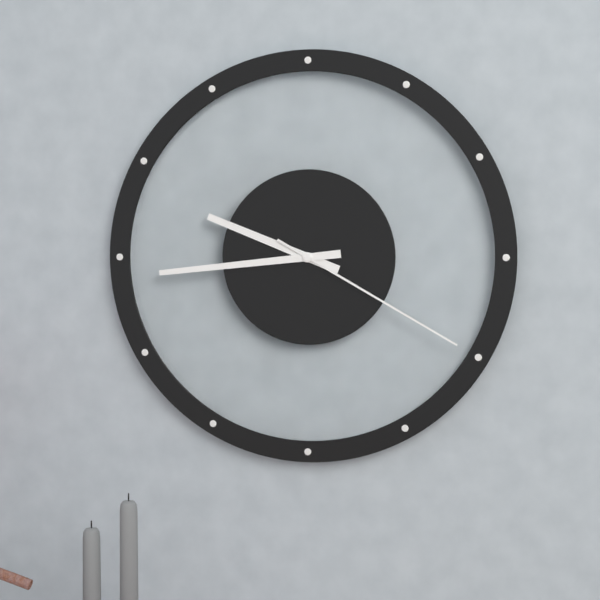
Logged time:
9,44,20
